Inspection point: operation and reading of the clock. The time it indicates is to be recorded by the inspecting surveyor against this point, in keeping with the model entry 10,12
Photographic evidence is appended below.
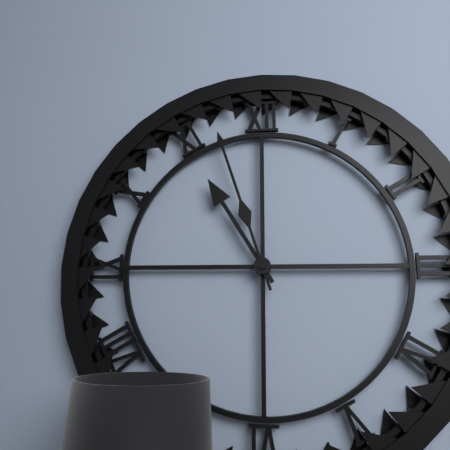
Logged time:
10,57
